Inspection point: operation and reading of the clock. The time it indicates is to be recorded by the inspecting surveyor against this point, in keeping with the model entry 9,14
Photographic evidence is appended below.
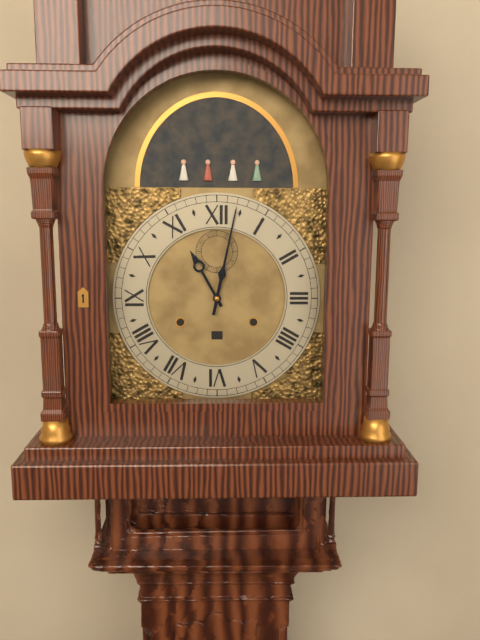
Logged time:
11,02
